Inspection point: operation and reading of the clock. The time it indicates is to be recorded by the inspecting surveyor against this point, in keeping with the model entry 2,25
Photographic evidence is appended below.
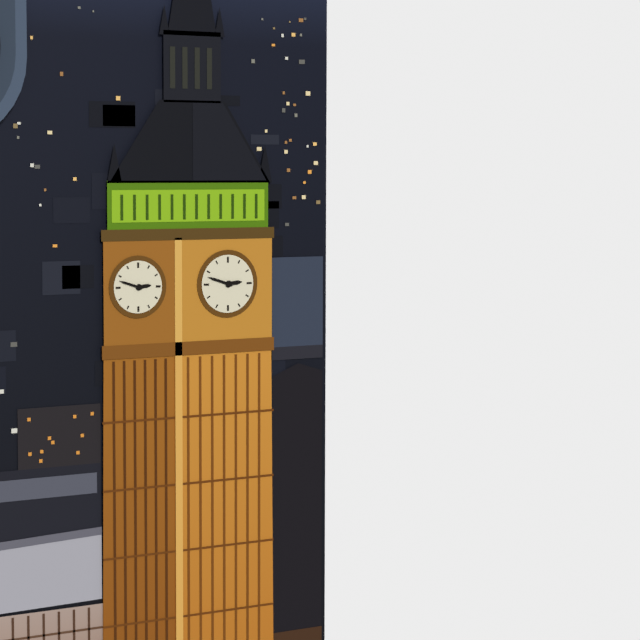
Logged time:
2,48
